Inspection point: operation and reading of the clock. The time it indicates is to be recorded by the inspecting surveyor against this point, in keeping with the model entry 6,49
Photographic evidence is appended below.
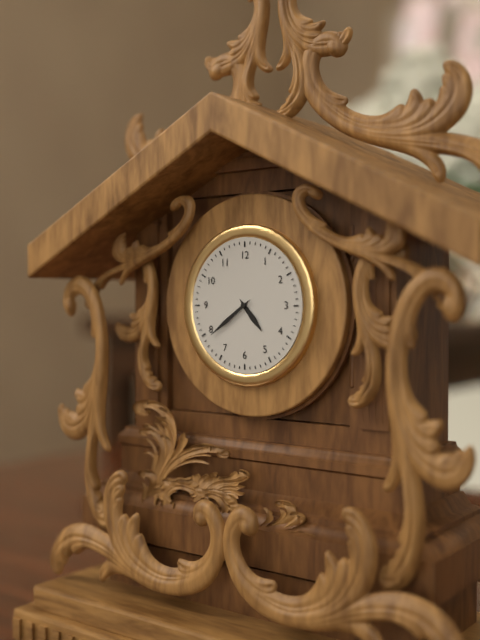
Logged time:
4,39
